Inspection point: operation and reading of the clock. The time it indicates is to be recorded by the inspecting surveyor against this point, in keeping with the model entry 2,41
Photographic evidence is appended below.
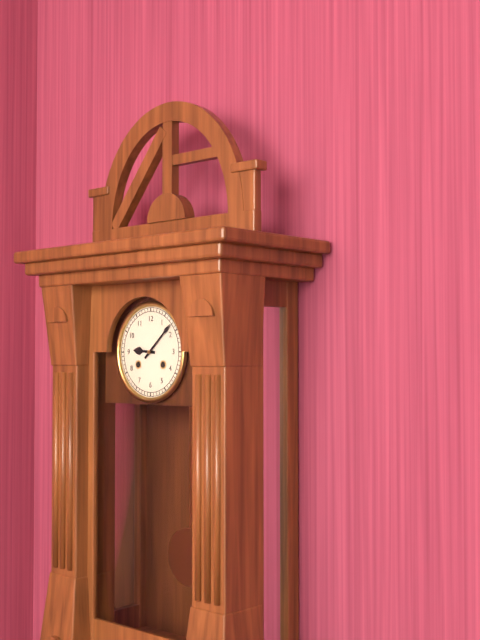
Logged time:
9,08
